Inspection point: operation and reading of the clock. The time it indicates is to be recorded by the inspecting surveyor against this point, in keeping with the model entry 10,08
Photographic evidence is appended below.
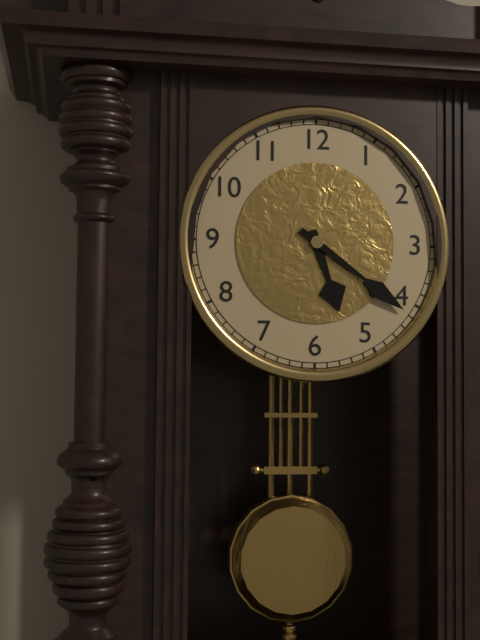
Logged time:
5,21
